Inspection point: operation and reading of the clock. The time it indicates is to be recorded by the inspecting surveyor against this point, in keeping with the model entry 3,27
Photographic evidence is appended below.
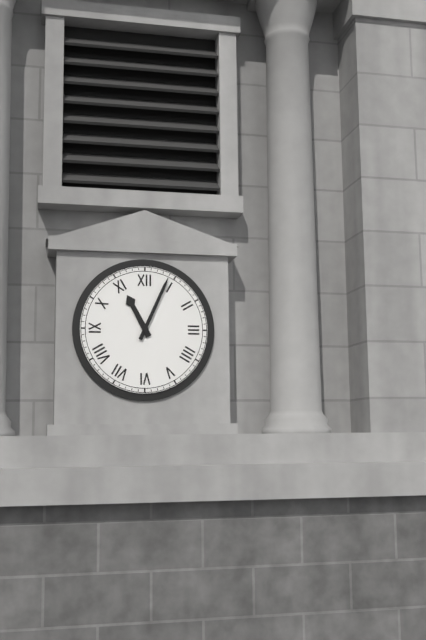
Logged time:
11,04
